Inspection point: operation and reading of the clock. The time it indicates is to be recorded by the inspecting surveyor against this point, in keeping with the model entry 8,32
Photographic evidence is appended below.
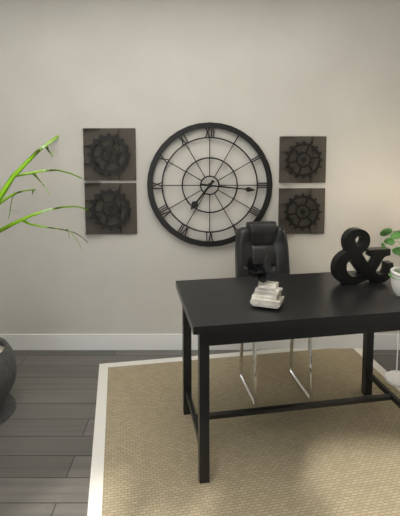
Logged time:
7,16
